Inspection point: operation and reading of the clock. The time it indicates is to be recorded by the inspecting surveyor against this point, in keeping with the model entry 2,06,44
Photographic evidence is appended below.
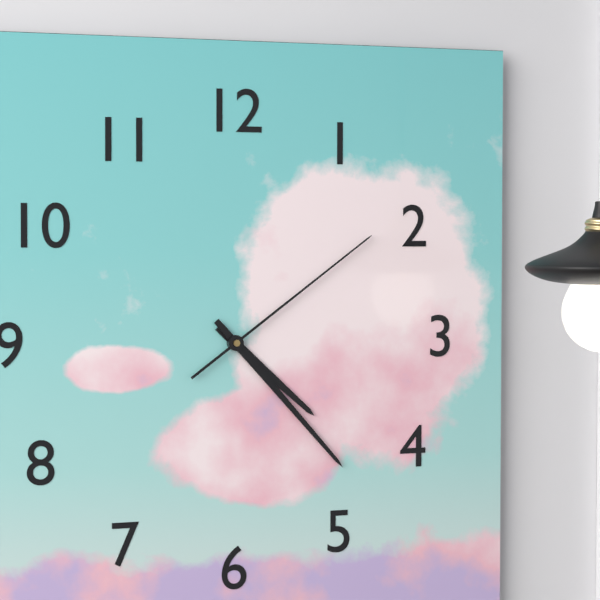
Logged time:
4,23,09
